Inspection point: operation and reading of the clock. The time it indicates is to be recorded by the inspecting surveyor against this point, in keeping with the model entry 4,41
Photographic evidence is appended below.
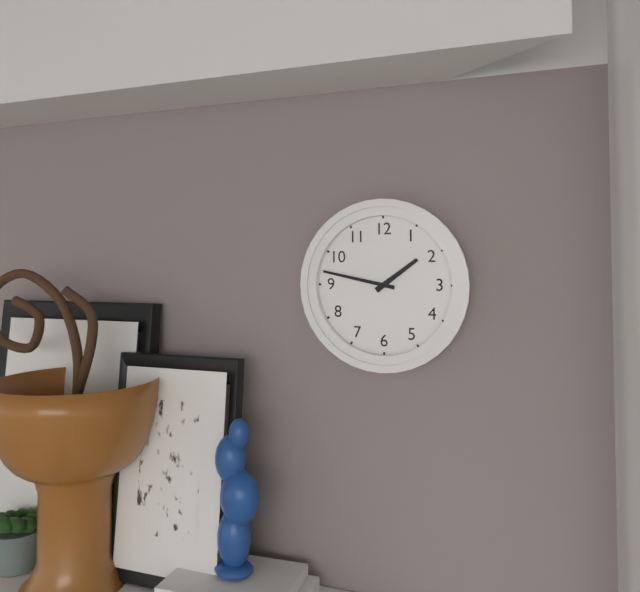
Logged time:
1,47
